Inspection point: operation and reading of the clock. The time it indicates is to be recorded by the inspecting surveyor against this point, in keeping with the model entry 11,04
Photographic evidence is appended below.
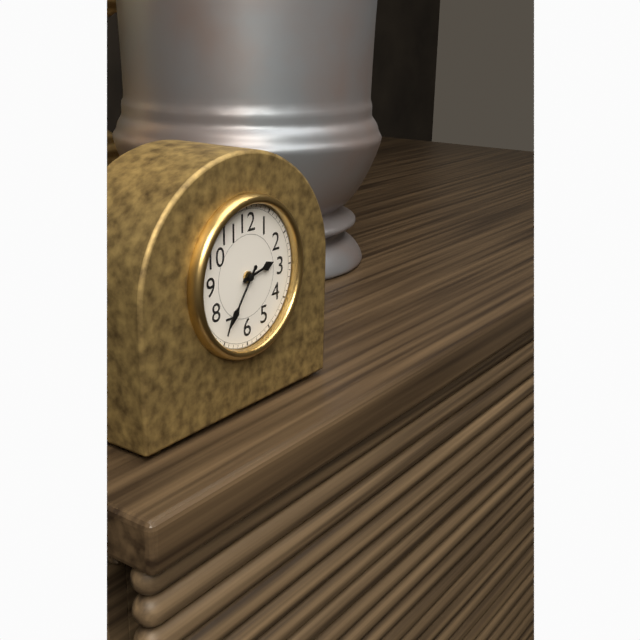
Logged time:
2,36
